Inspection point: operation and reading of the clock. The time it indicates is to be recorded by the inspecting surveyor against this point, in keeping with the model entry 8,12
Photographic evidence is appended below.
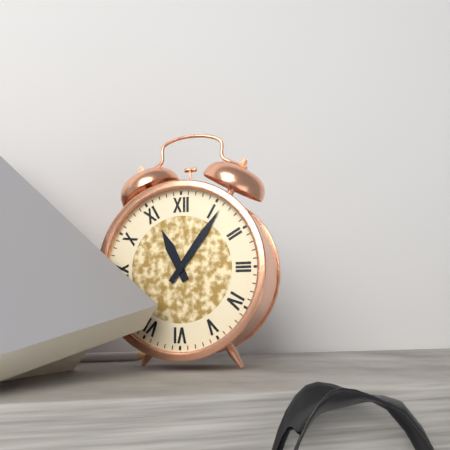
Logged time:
11,06
